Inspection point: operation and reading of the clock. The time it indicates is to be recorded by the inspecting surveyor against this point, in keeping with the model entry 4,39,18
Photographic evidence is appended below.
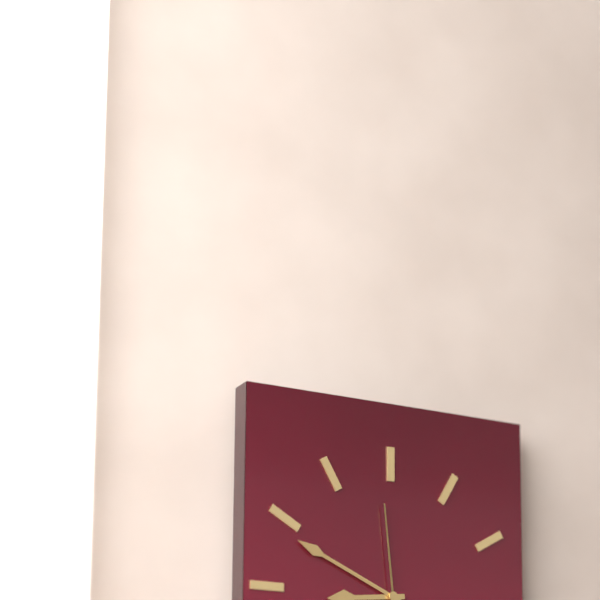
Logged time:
8,49,59
